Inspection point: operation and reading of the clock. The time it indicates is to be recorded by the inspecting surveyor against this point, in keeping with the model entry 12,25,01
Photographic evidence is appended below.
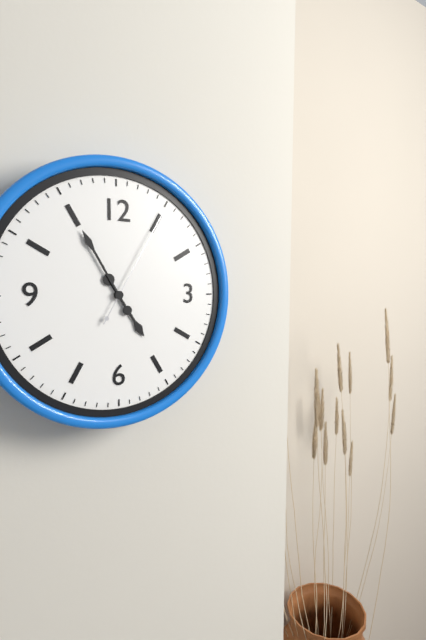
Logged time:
4,55,05
